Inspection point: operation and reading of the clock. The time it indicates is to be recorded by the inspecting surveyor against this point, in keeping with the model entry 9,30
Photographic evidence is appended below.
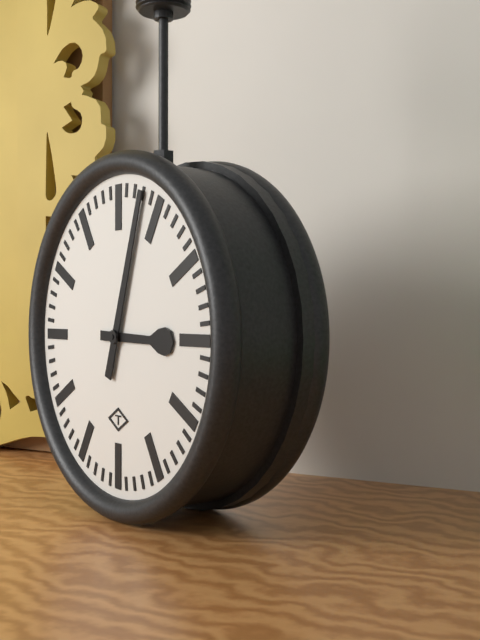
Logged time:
3,03
